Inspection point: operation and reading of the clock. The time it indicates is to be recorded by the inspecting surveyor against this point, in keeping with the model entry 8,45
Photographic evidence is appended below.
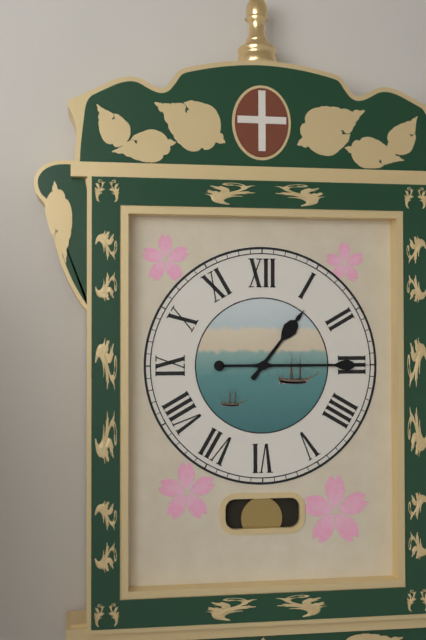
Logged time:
1,15
